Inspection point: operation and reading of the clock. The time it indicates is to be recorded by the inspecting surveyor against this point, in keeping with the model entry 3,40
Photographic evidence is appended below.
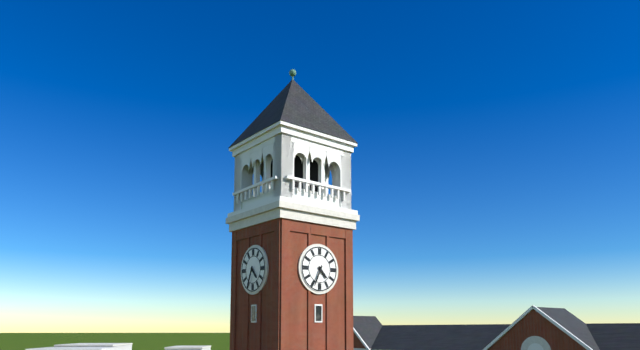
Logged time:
4,34
